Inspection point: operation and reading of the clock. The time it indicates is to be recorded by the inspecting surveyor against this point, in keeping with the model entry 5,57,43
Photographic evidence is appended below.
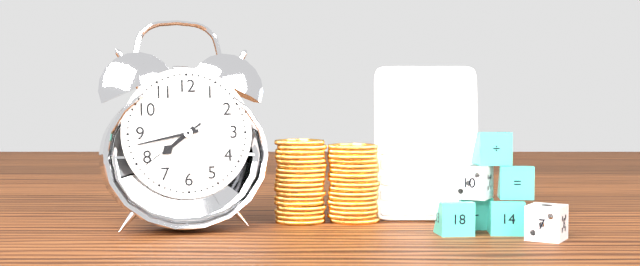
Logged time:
7,43,39
